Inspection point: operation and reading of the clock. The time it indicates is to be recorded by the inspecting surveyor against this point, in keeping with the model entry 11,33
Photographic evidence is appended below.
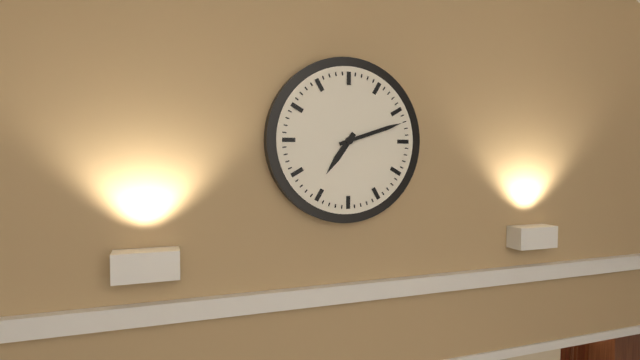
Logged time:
7,12
